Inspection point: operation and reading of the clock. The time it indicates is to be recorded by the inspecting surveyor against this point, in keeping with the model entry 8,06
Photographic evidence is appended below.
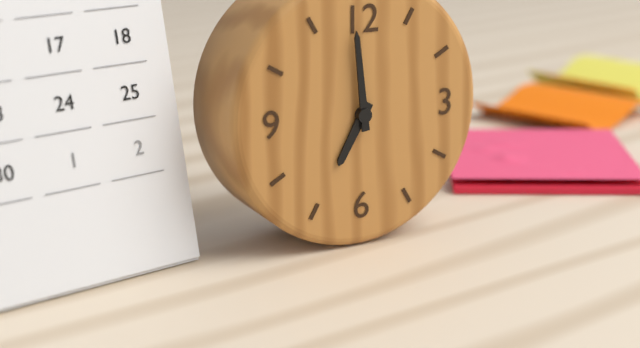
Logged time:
6,59
